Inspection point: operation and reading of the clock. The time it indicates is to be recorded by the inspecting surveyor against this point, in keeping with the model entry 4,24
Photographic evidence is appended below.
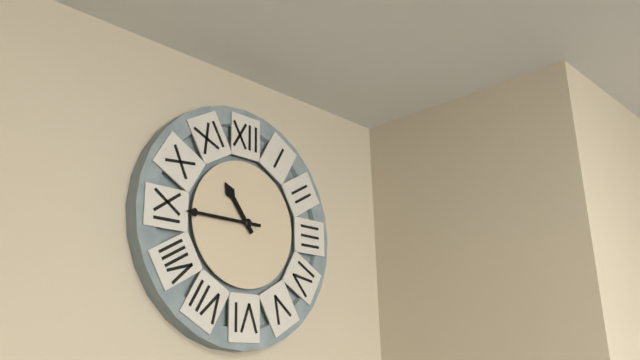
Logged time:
10,45
